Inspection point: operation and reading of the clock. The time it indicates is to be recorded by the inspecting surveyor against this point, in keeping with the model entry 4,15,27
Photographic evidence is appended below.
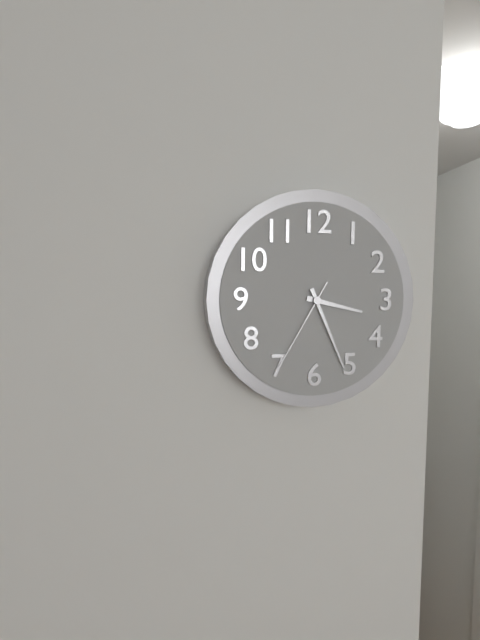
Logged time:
3,26,35
